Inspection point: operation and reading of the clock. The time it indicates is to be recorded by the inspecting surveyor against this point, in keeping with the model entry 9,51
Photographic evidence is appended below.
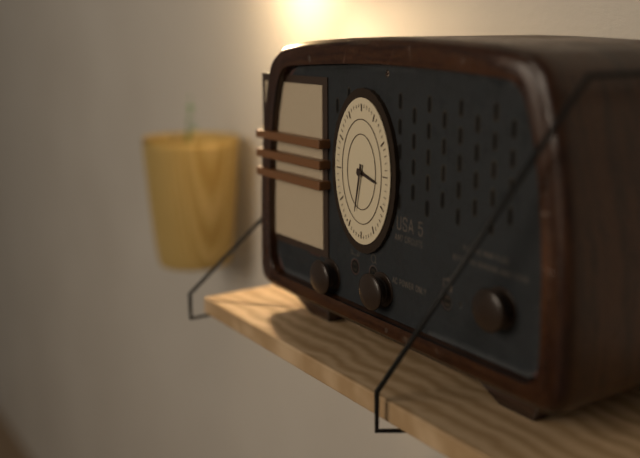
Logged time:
3,32
